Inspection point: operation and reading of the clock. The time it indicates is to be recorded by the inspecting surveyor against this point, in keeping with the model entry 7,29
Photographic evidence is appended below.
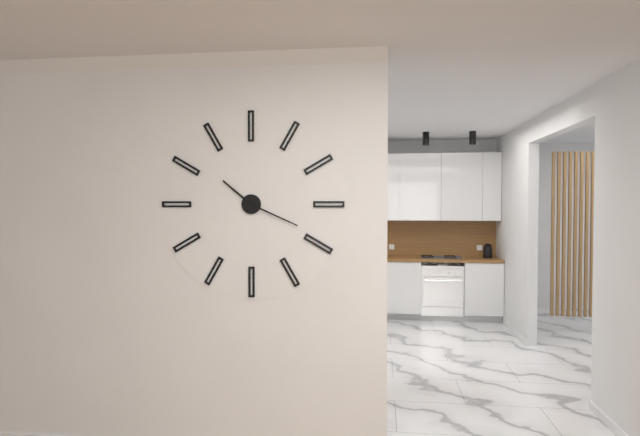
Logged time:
10,19
